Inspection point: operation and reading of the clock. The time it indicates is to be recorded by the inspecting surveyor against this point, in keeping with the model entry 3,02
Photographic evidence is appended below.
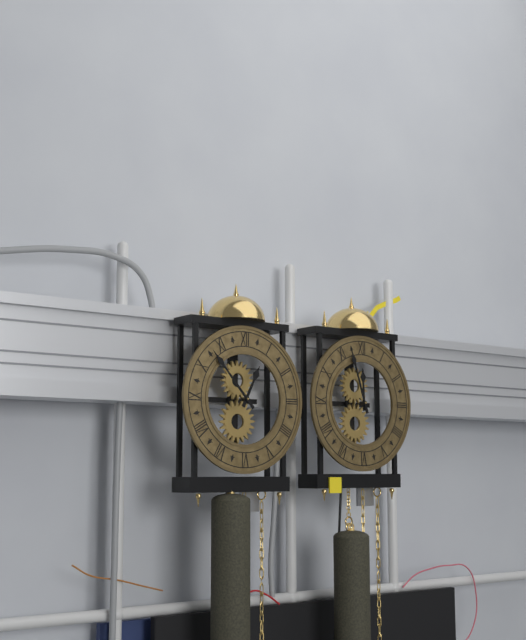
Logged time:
12,53
